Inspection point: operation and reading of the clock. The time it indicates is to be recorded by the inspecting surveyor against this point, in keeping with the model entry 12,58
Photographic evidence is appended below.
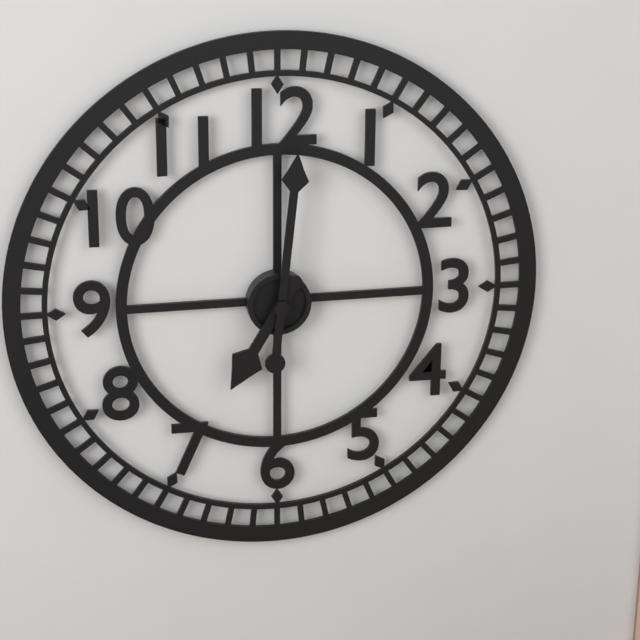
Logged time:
7,01
